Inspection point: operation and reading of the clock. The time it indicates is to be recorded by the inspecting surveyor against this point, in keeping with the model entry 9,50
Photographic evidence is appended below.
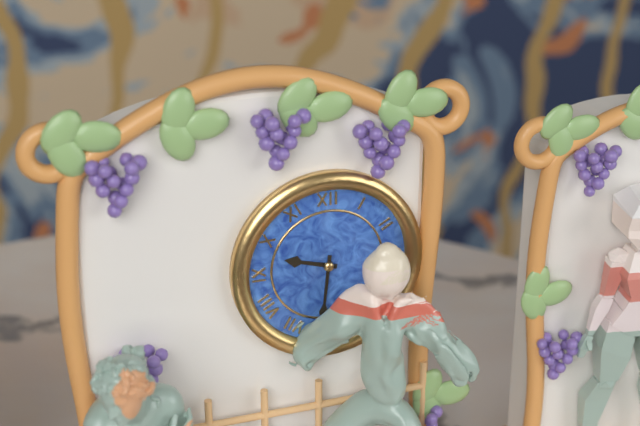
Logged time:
9,31
